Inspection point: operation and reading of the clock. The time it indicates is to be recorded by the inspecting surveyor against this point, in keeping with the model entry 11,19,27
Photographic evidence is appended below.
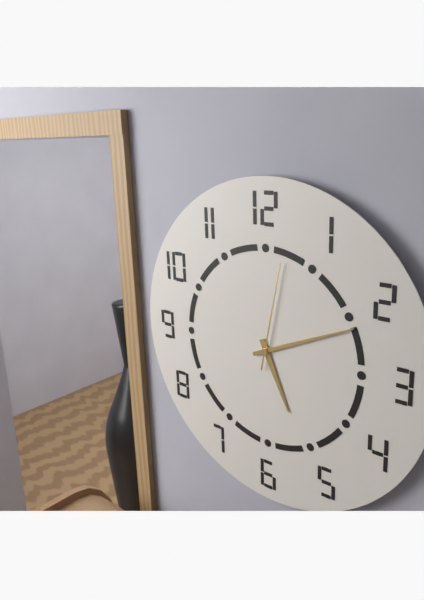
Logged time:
5,11,02
